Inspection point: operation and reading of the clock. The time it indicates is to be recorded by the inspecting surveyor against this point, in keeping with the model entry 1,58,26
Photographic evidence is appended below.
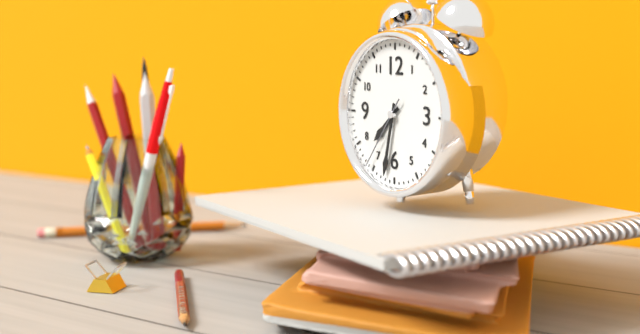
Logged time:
7,32,36
